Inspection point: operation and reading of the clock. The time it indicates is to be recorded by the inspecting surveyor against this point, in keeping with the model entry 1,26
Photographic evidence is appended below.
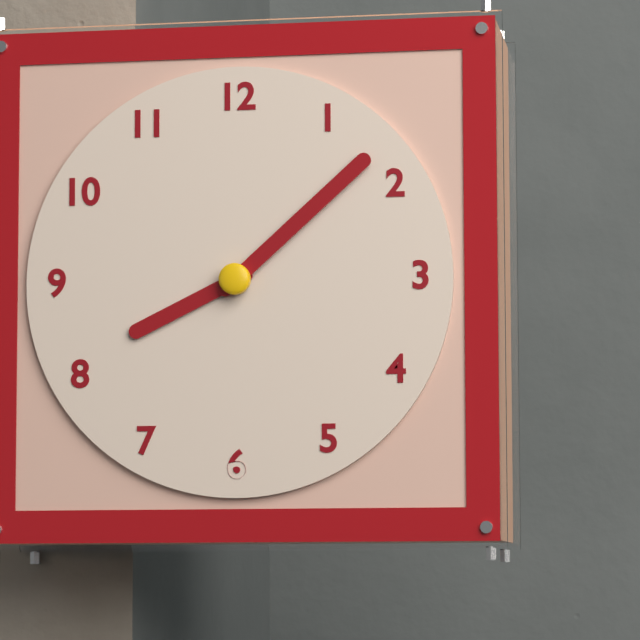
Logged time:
8,08
